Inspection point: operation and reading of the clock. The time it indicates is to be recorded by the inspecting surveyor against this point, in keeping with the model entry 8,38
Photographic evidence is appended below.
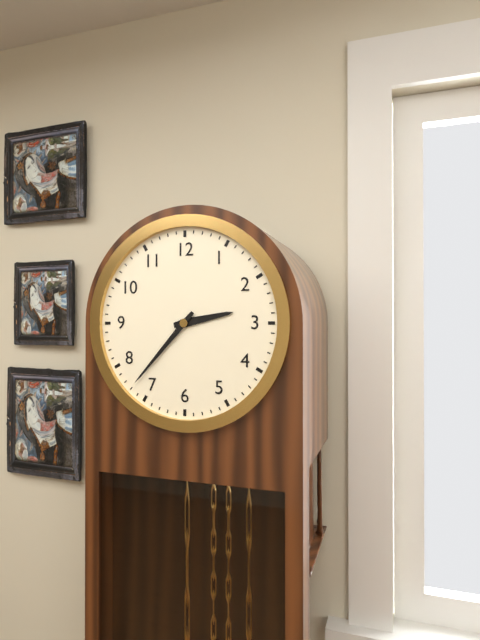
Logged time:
2,37
